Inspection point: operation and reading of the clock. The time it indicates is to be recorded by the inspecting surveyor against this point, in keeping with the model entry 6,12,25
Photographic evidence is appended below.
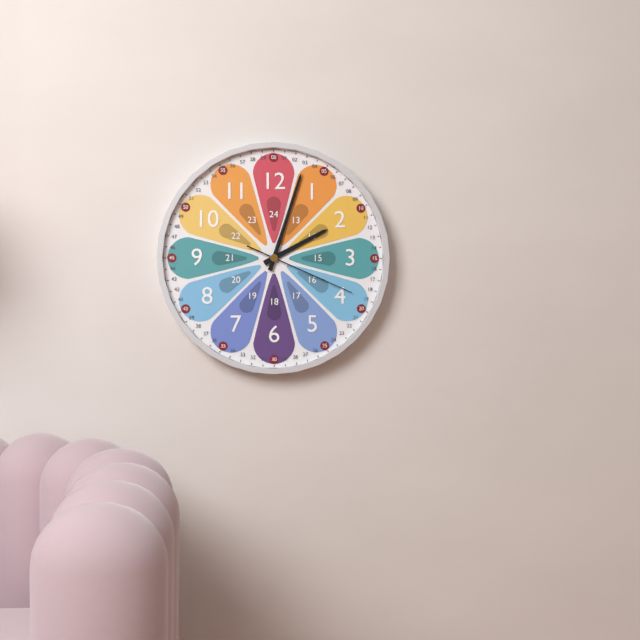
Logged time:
2,03,19
